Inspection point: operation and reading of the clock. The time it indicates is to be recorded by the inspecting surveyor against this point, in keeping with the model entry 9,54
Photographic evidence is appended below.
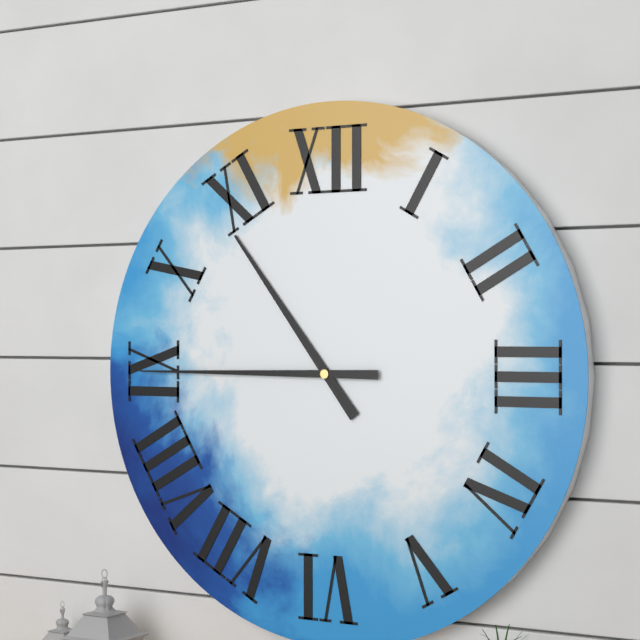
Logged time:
10,45
